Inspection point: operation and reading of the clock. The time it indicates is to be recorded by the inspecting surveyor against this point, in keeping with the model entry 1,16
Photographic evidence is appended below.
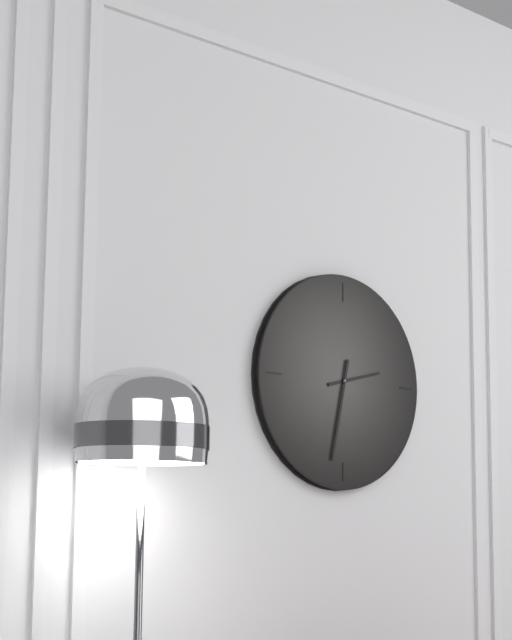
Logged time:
2,32
